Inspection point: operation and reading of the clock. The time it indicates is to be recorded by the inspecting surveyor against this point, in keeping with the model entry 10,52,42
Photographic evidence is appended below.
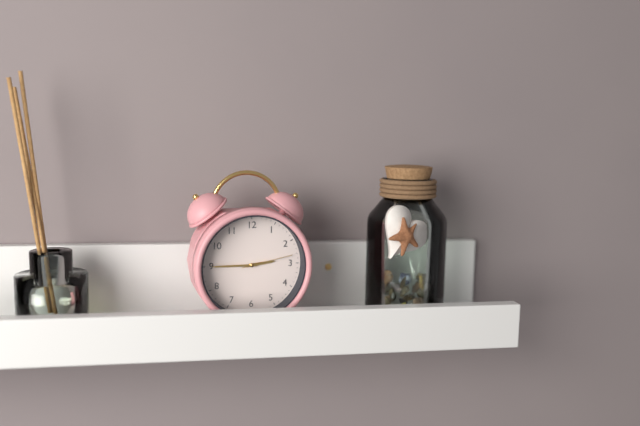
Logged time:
2,45,13
